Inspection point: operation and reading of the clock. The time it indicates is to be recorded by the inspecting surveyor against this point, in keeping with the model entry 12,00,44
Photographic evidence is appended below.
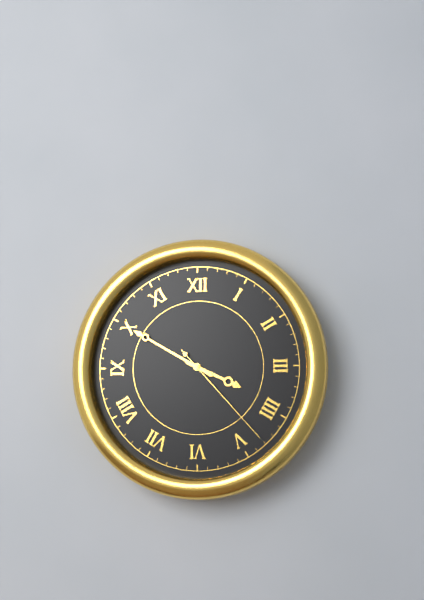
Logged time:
3,50,23
